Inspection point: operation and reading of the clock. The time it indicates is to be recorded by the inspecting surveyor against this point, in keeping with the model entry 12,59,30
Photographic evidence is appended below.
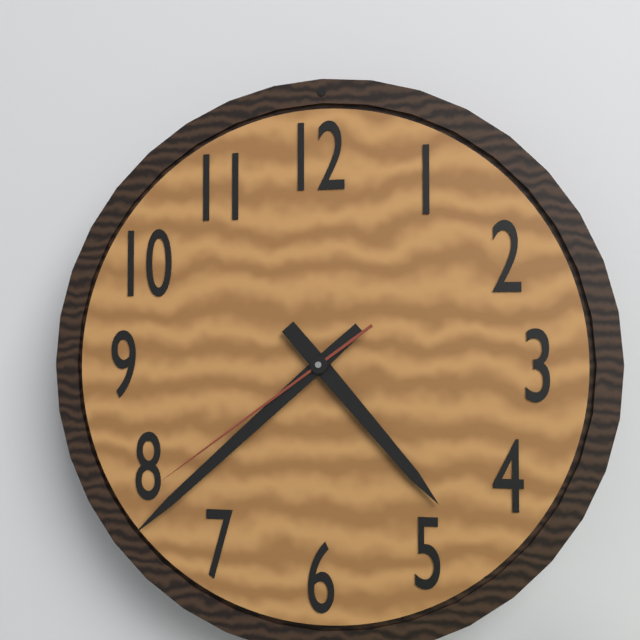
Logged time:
4,38,39
